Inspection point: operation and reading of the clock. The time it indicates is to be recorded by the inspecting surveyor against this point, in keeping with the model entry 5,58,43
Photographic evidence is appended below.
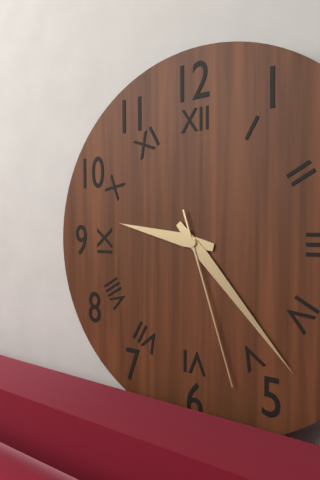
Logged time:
9,23,27
